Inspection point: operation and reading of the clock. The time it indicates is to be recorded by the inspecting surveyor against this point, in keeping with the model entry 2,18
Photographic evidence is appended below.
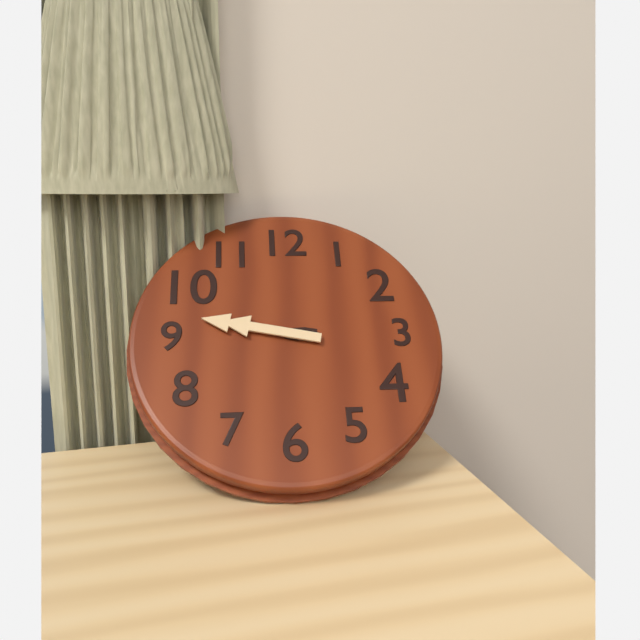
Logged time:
2,47
